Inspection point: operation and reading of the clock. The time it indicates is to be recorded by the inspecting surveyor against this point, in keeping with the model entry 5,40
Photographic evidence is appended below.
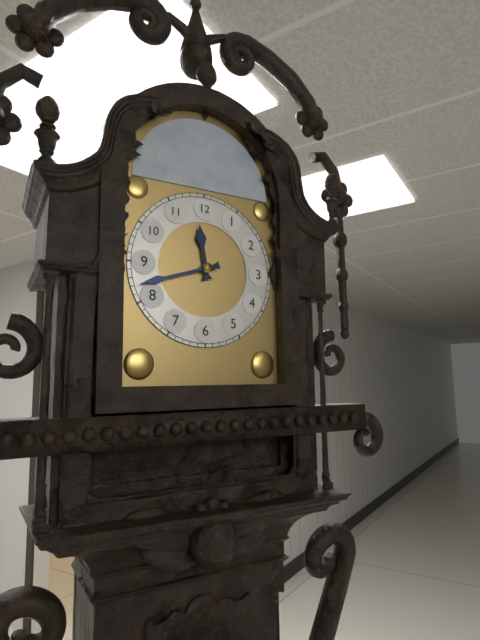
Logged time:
11,42
